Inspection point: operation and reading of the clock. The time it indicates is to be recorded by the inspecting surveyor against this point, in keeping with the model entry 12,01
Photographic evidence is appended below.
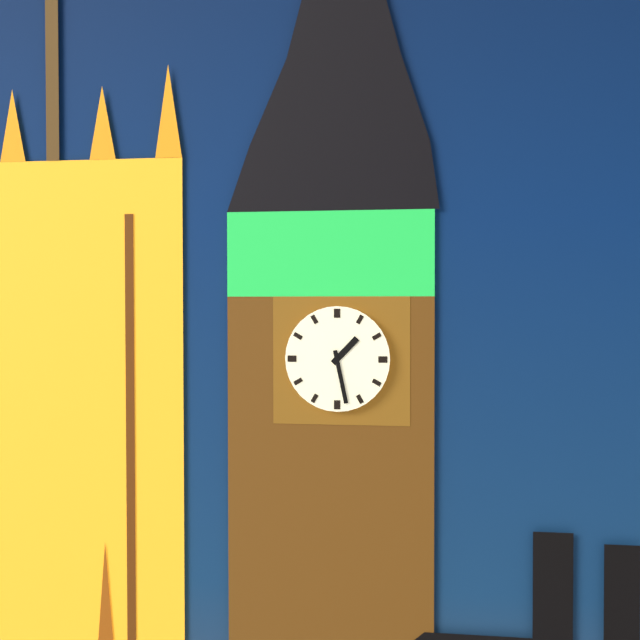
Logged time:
1,28
